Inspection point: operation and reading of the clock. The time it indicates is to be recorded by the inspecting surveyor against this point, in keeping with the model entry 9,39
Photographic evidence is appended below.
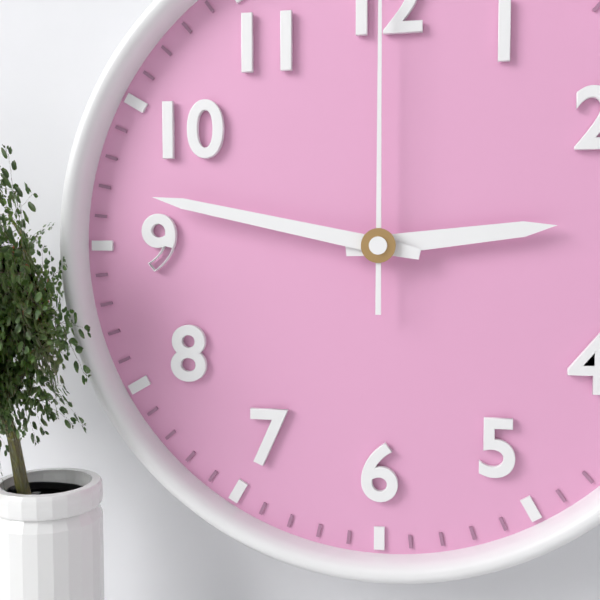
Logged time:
2,47
